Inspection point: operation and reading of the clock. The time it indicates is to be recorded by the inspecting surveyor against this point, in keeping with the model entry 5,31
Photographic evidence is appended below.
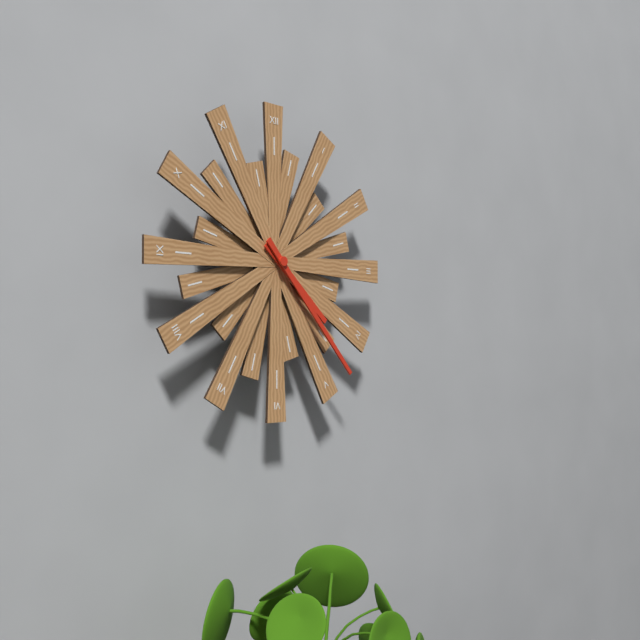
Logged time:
4,23
